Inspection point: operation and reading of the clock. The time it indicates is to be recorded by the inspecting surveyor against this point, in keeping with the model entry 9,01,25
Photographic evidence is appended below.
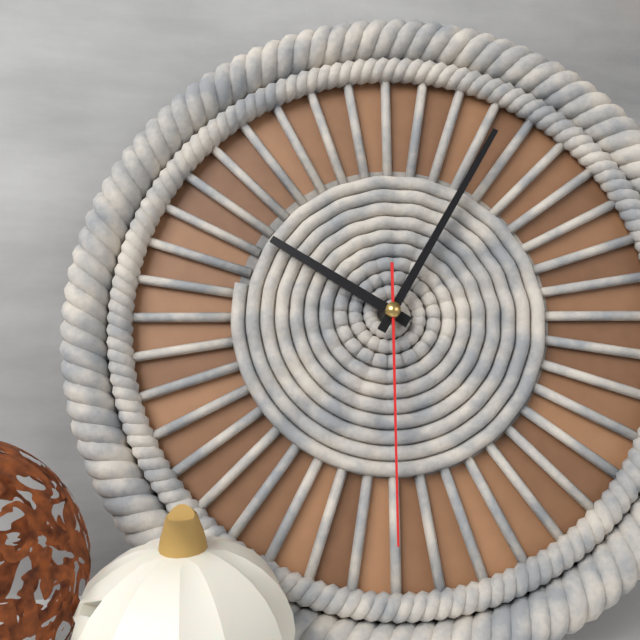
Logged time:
10,05,30
